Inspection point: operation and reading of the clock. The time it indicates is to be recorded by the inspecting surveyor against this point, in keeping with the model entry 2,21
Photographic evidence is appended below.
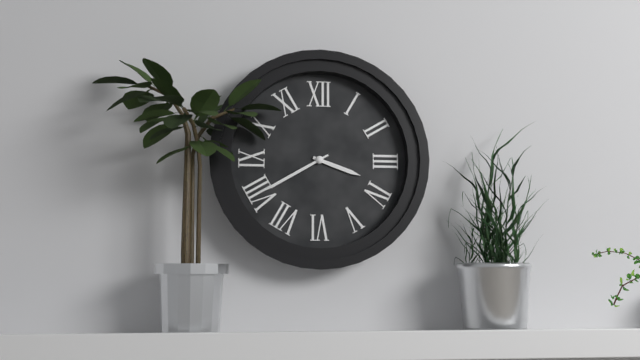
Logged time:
3,40
